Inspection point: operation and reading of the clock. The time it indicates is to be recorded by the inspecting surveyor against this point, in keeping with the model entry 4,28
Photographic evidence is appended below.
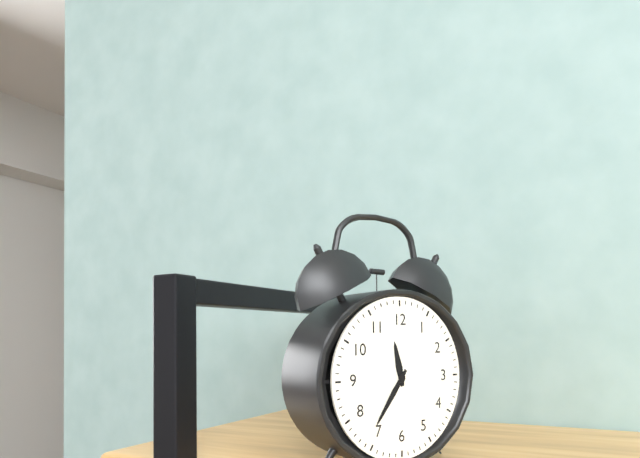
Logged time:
11,36
